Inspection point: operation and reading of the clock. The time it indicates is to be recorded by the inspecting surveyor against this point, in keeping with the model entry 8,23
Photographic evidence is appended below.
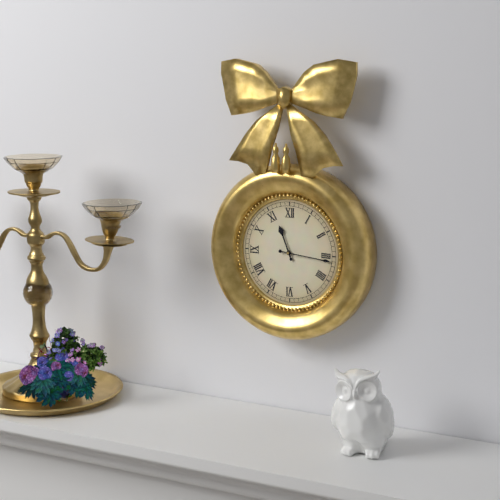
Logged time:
11,16
